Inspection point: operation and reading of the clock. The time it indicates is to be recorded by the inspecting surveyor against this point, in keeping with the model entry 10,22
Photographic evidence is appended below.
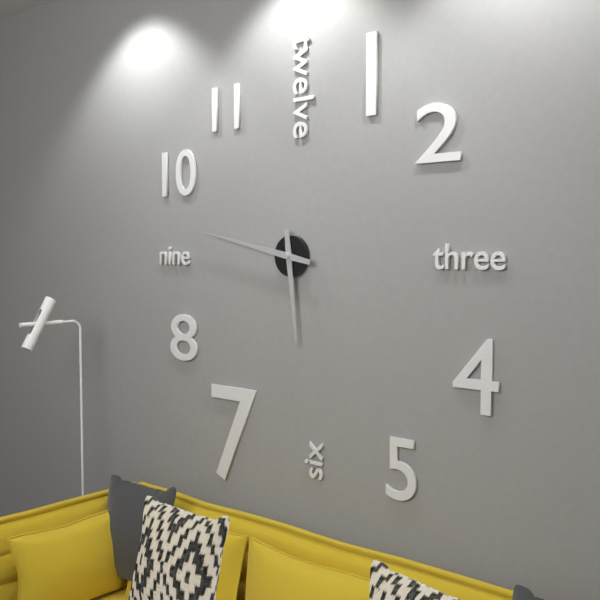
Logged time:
5,47
